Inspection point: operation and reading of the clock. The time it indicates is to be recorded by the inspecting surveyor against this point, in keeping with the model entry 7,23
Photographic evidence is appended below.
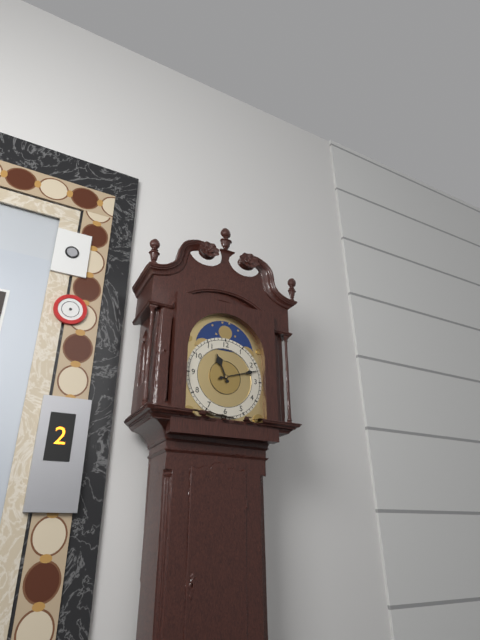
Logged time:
11,12
